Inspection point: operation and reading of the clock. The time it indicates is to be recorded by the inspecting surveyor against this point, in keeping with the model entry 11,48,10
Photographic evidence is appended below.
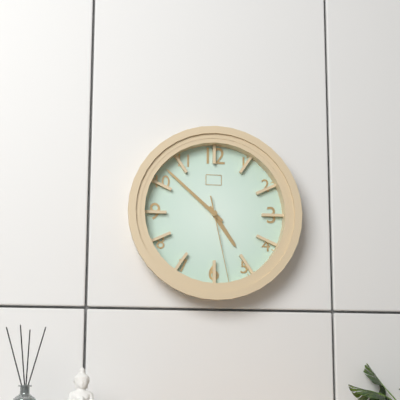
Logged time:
4,52,28
